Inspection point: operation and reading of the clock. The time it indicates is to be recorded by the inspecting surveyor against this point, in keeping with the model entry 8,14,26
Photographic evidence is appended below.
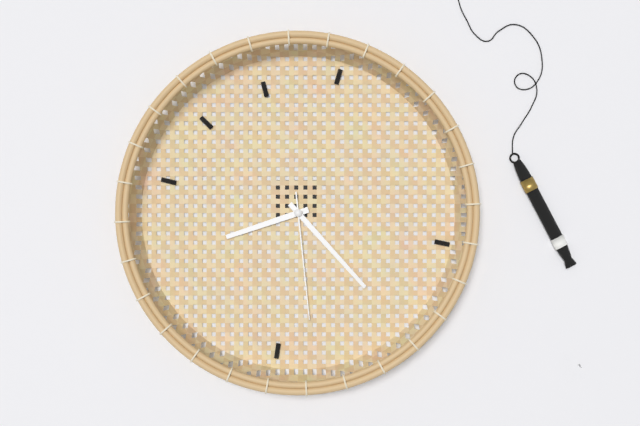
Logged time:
8,23,29
